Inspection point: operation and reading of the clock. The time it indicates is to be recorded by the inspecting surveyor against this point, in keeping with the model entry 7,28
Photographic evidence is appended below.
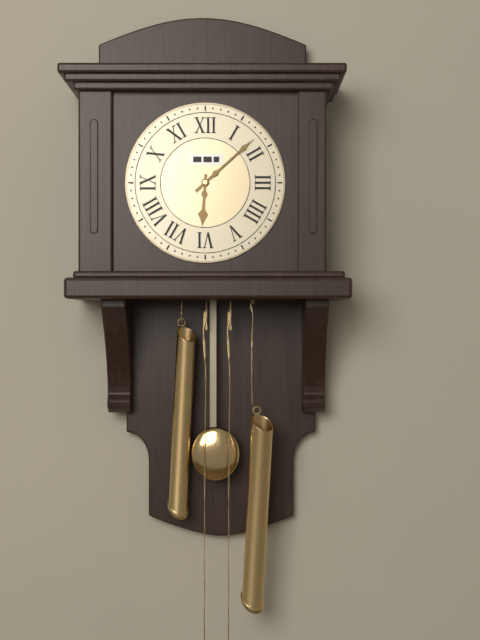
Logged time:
6,08
